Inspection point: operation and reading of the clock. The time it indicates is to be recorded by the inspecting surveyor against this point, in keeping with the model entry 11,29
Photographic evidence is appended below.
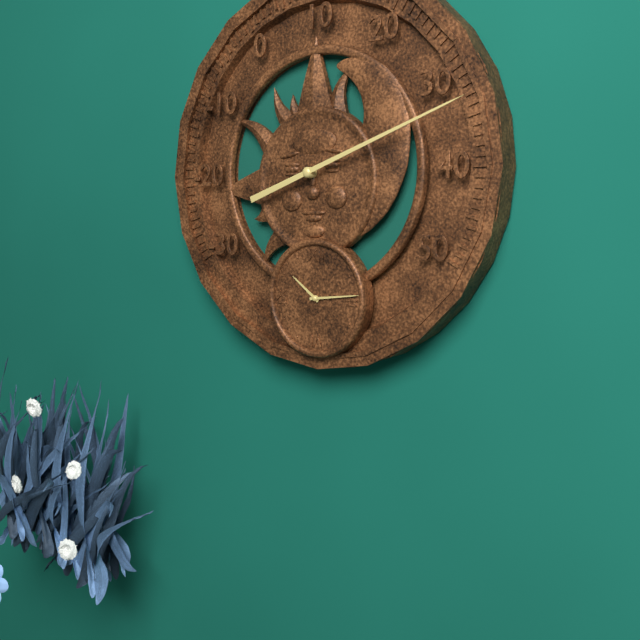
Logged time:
10,14
